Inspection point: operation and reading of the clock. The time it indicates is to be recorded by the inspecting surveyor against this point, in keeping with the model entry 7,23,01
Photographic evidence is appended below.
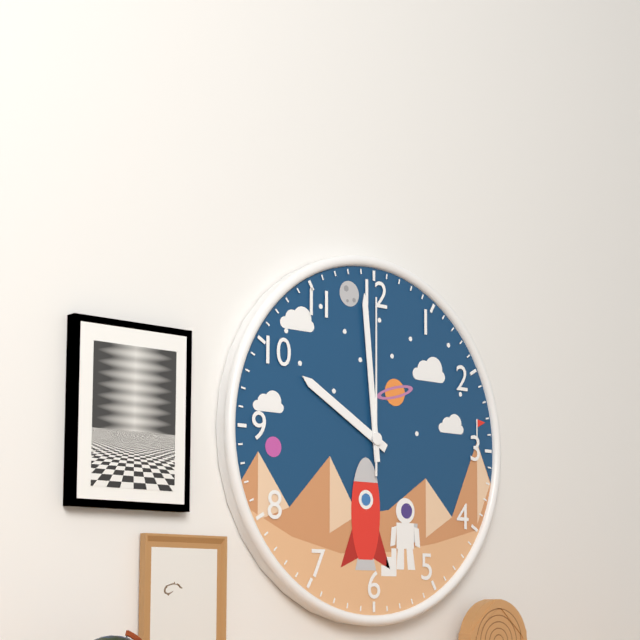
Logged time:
9,59,00
